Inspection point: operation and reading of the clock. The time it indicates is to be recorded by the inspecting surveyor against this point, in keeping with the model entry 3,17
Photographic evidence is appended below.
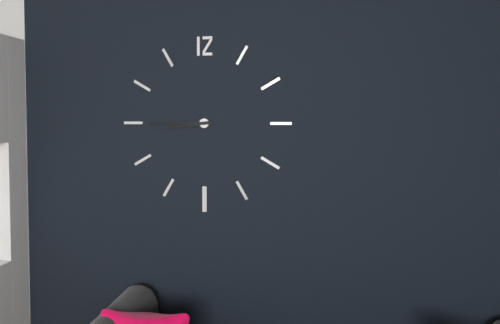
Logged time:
8,45
